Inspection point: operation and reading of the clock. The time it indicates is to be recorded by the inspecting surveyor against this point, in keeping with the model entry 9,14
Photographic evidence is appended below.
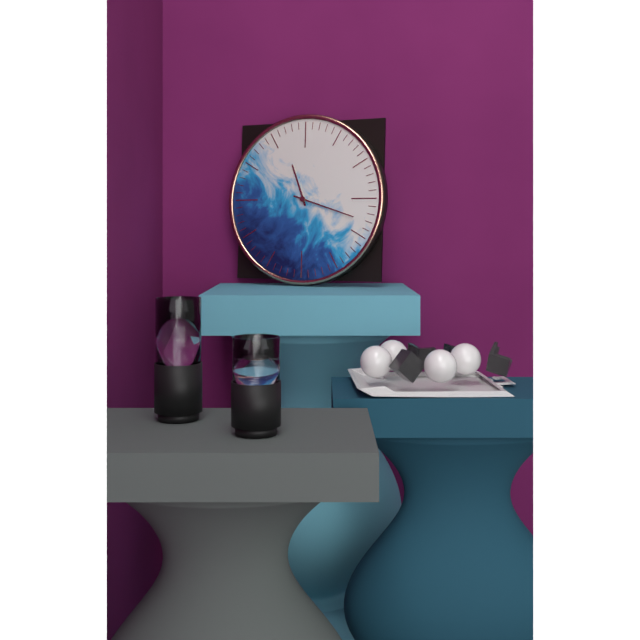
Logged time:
11,18
